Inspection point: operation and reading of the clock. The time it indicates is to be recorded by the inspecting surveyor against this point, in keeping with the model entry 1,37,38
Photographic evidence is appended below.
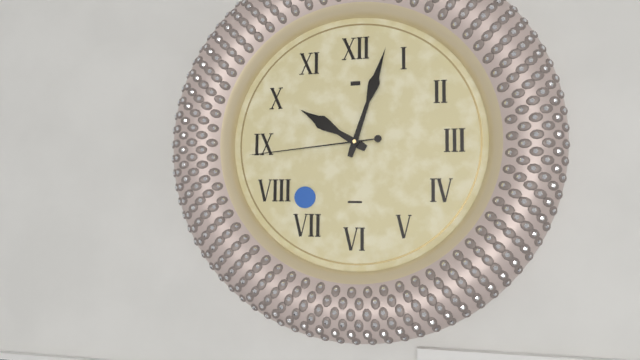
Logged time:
10,03,44
